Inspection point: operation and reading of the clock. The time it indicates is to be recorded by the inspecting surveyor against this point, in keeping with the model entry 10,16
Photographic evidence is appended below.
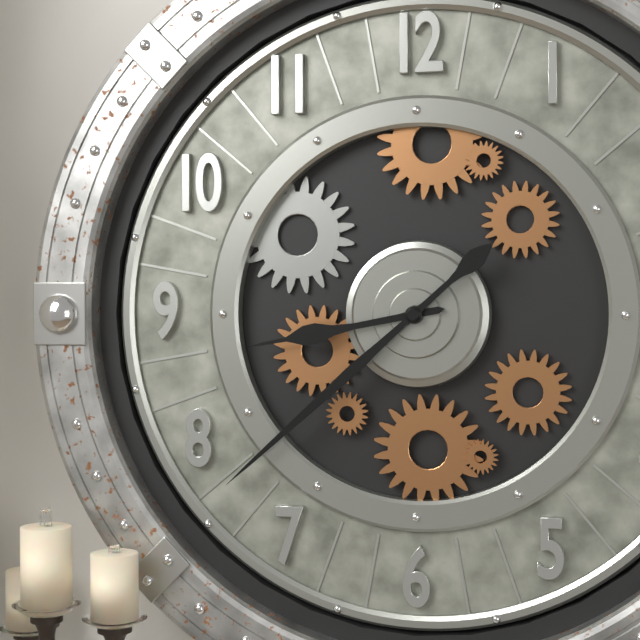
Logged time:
8,38
